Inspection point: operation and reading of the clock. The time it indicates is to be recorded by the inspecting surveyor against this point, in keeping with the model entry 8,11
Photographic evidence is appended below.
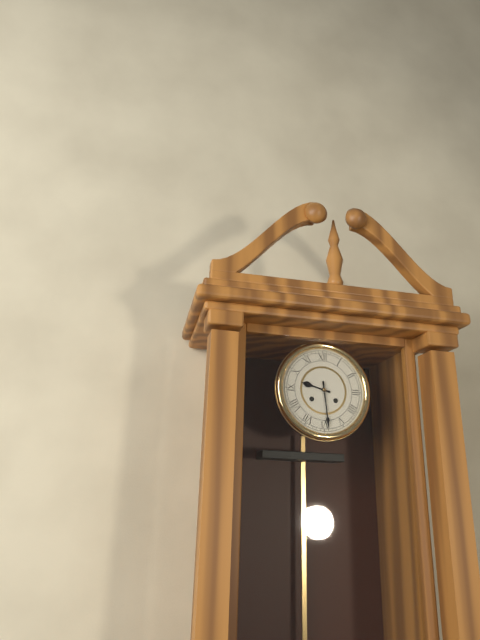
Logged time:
9,29
